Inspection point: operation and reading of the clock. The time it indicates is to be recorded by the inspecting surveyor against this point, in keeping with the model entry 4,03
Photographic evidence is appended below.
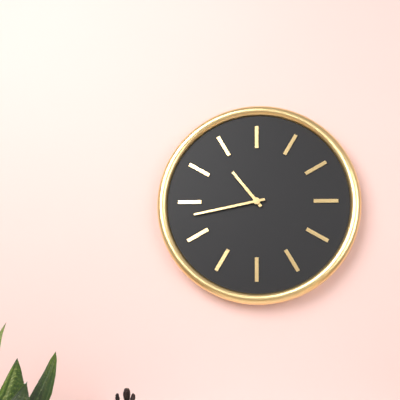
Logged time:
10,43
